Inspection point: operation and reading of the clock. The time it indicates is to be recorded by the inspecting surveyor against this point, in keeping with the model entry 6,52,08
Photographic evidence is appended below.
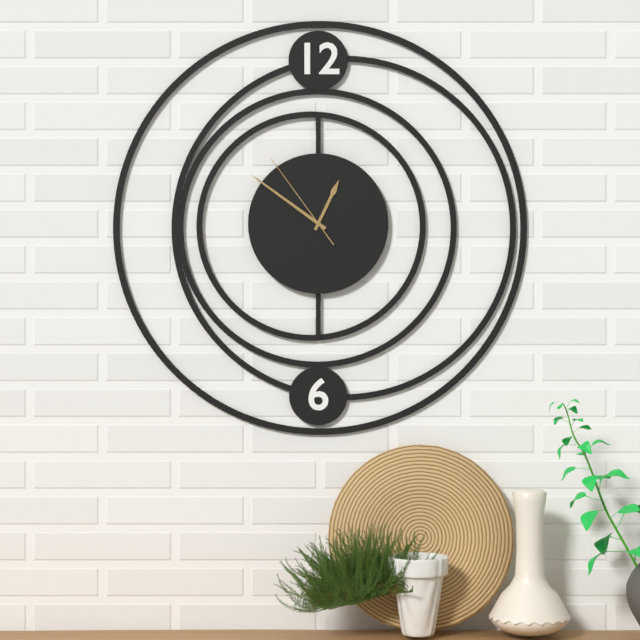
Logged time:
12,51,54
